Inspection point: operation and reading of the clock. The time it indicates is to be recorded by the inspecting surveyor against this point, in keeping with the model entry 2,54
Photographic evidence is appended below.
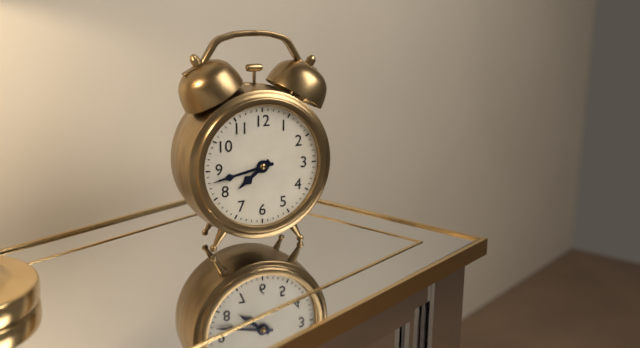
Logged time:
7,43
